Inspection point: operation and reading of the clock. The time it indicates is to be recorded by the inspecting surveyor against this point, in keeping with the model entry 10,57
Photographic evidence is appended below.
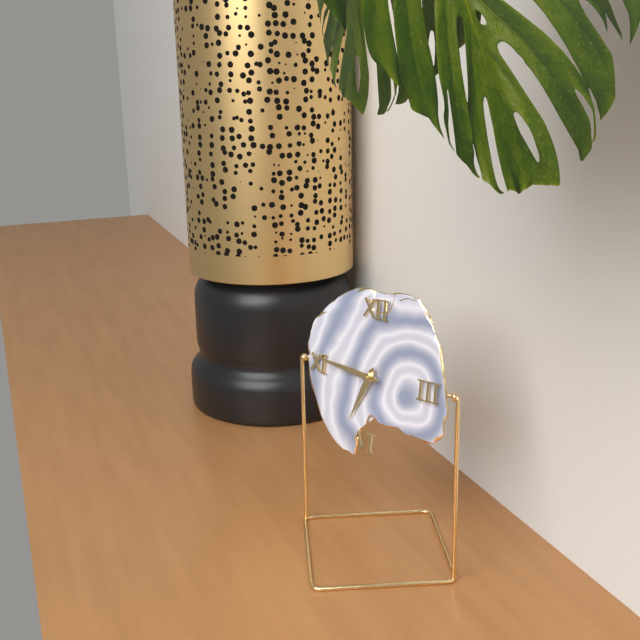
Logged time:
6,46
